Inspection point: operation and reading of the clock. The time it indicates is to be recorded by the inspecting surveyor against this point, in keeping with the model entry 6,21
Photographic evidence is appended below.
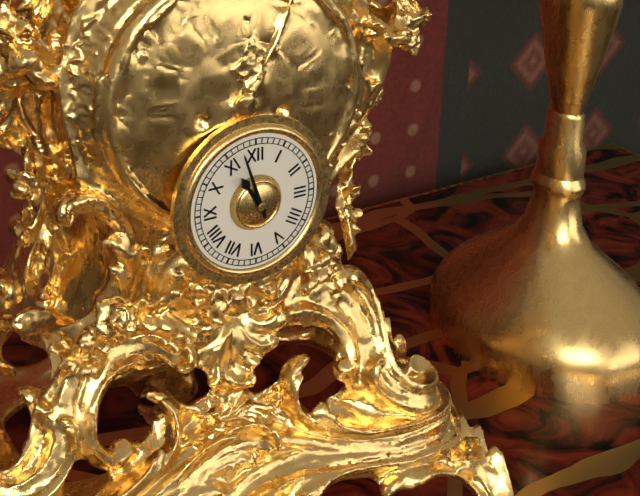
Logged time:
10,57
